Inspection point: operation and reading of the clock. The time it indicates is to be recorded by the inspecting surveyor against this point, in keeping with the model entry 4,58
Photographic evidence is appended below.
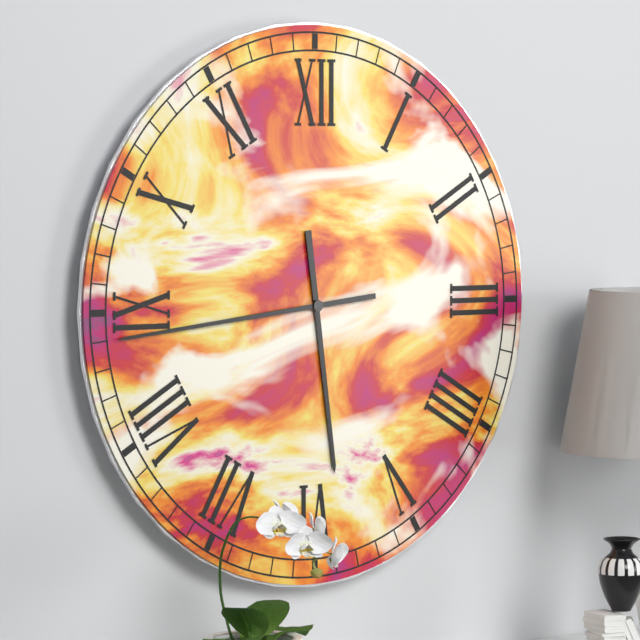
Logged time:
5,44
